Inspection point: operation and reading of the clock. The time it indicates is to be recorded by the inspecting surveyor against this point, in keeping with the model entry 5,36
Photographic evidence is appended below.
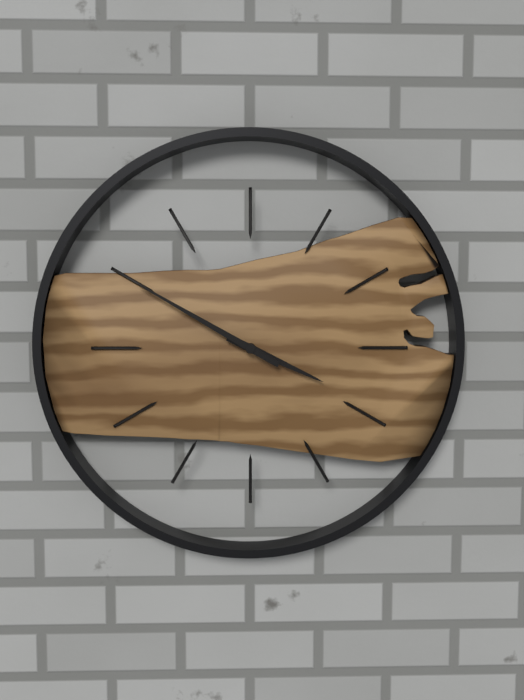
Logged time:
3,50
